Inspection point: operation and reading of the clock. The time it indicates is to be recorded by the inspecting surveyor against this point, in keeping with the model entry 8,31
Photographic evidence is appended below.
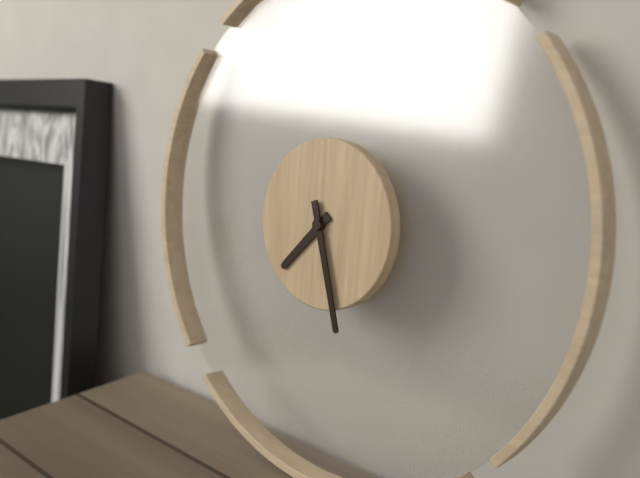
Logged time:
7,27
